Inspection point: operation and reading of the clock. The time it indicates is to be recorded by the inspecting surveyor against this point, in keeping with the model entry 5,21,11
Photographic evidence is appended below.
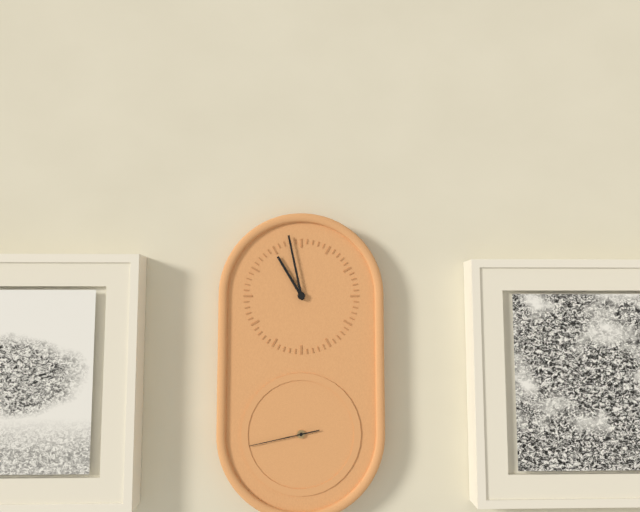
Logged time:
10,58,43
